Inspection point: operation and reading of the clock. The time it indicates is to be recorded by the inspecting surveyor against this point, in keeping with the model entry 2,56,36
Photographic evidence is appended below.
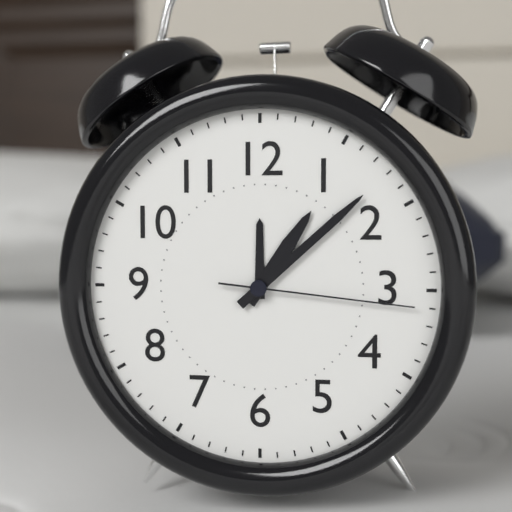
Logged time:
1,08,16
